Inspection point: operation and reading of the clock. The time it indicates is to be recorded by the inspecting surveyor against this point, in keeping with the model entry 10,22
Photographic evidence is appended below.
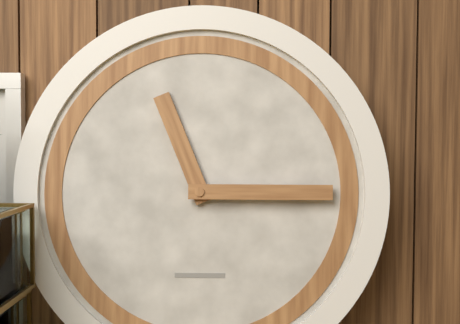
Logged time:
11,15
